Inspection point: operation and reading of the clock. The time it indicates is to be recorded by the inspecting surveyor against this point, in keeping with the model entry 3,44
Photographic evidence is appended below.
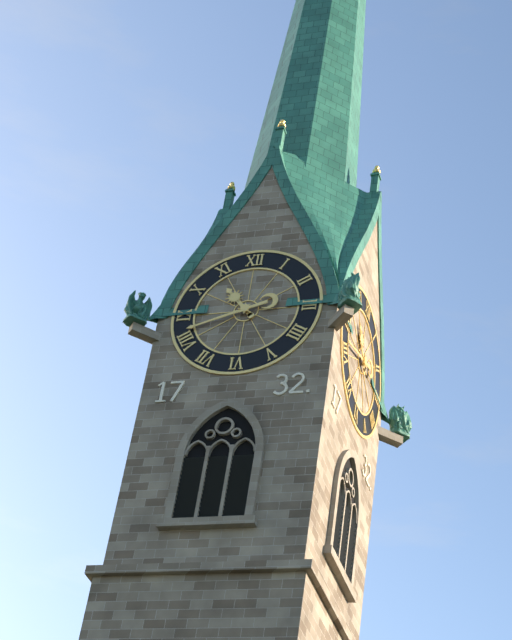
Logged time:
10,42
